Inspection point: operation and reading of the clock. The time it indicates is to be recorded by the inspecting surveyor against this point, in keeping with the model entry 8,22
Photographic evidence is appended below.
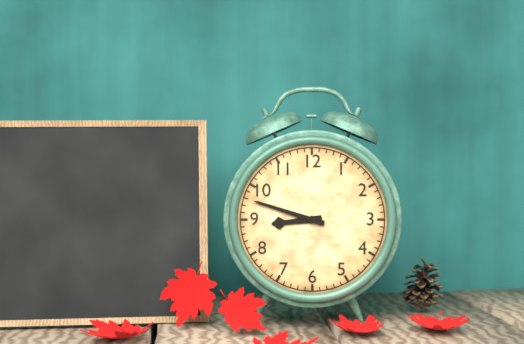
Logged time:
8,48
